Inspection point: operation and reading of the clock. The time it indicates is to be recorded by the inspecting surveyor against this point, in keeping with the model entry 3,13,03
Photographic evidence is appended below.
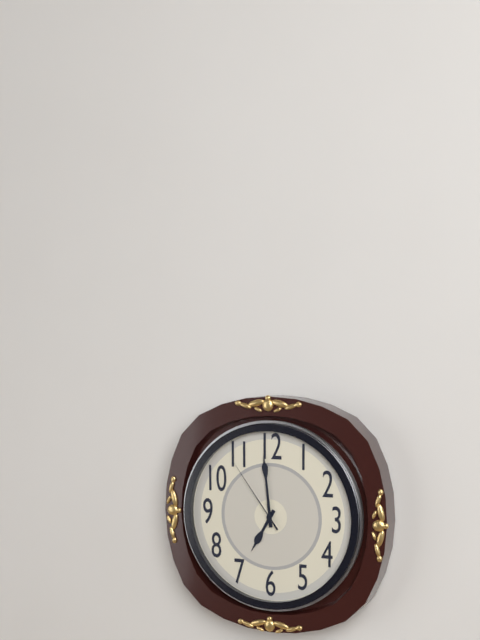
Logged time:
6,59,54
